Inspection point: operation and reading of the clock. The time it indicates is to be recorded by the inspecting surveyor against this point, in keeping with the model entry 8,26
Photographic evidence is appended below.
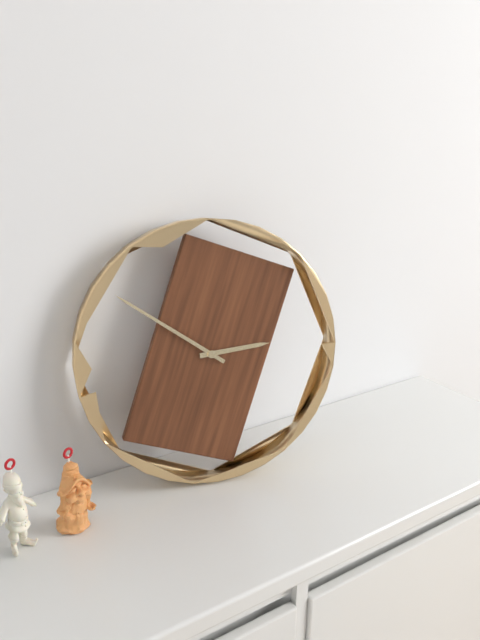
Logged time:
2,51
